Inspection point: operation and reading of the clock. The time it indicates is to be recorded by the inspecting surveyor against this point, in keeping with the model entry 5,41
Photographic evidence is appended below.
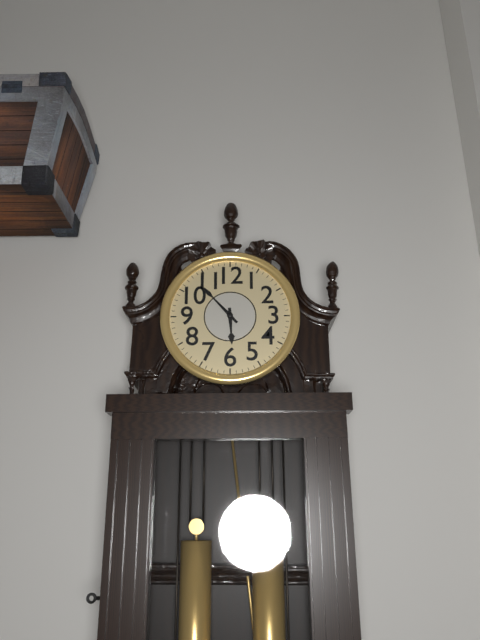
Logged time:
5,53
